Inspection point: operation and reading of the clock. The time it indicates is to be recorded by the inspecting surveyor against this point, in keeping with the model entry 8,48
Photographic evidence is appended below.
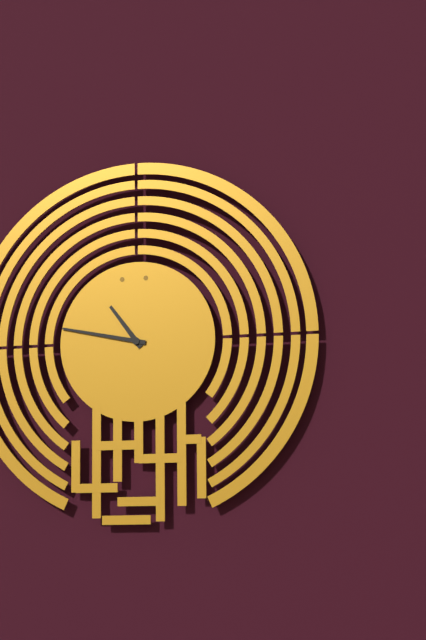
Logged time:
10,47
